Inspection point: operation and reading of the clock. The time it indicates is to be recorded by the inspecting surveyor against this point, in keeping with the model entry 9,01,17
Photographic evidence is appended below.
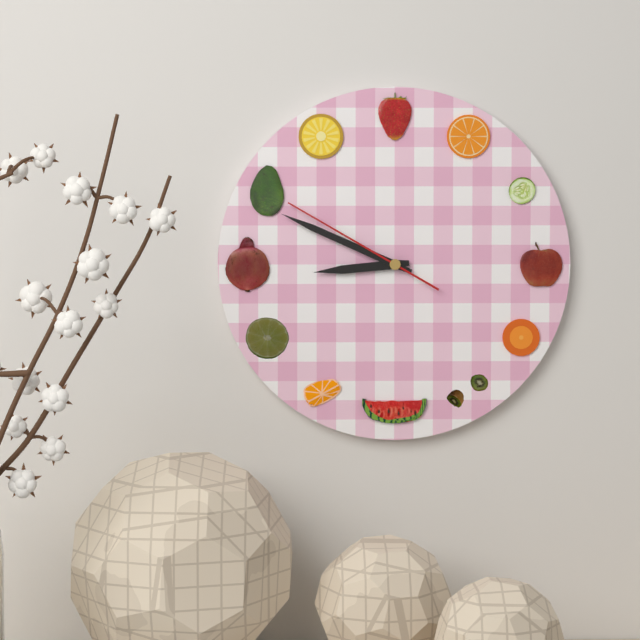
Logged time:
8,49,50
